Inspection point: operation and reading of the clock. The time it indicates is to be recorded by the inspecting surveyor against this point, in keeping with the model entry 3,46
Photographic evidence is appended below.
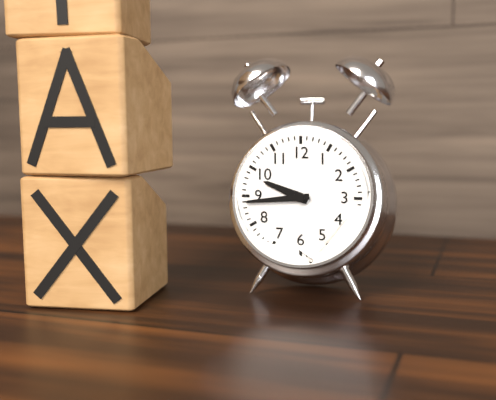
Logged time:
9,44
